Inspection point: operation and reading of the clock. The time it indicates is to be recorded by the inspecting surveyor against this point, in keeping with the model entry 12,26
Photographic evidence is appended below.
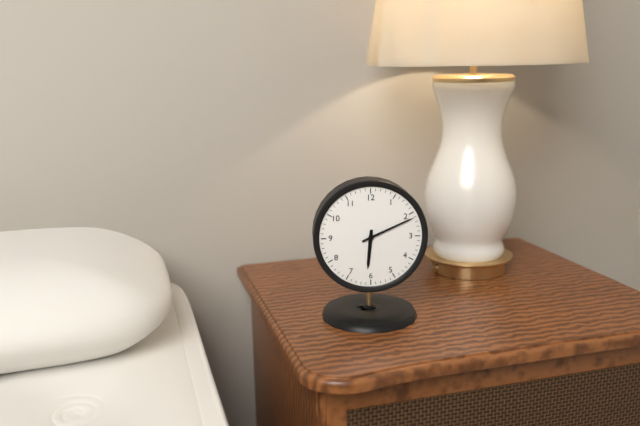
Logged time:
6,11
